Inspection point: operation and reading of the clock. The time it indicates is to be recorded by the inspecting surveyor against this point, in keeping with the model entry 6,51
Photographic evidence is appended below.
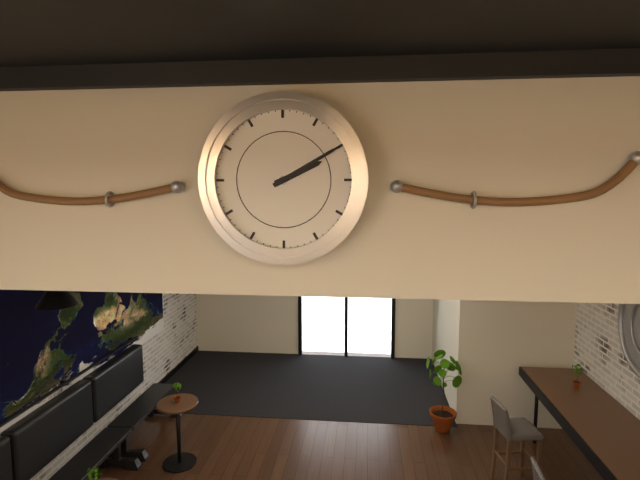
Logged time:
2,10
